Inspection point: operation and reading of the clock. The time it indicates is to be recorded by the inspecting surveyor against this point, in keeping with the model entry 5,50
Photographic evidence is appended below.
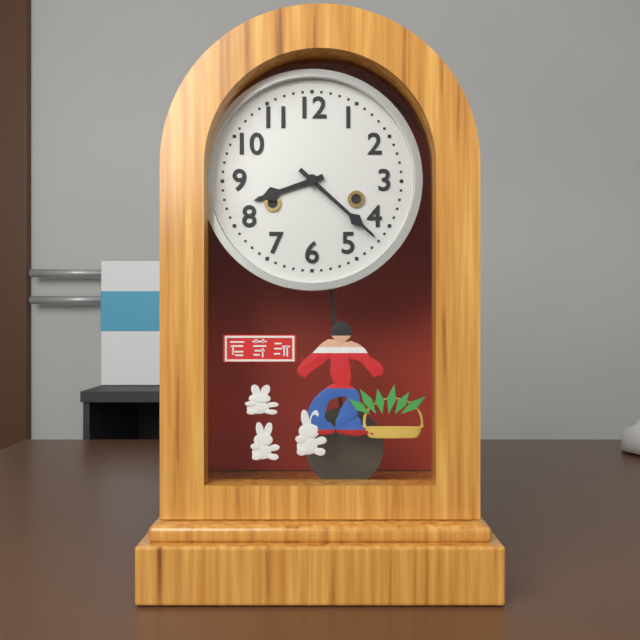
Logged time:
8,22
